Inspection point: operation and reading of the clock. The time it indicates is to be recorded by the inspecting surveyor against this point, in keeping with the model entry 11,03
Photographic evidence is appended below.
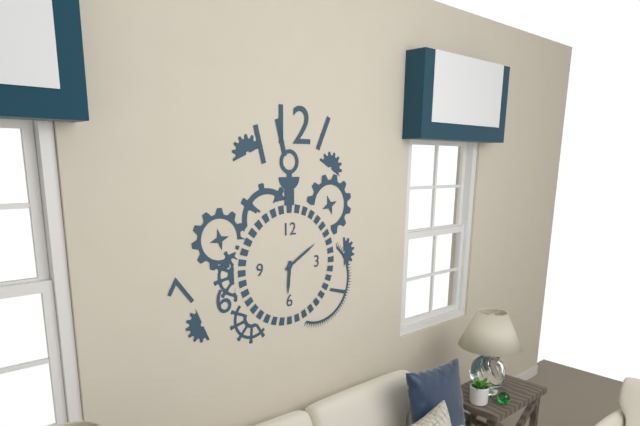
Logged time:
6,10
